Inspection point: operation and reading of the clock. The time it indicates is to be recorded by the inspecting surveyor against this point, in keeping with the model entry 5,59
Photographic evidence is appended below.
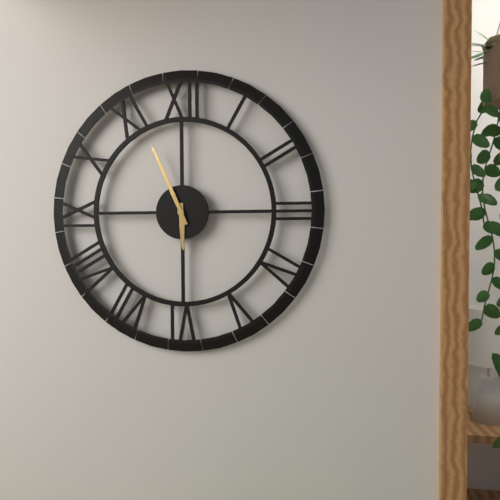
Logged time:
5,56
